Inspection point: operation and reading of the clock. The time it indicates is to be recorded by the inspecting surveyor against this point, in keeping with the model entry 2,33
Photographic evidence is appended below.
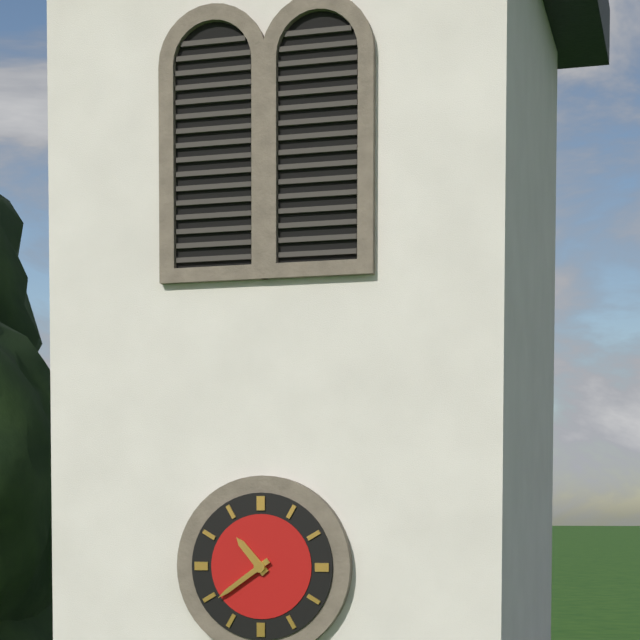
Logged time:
10,39
